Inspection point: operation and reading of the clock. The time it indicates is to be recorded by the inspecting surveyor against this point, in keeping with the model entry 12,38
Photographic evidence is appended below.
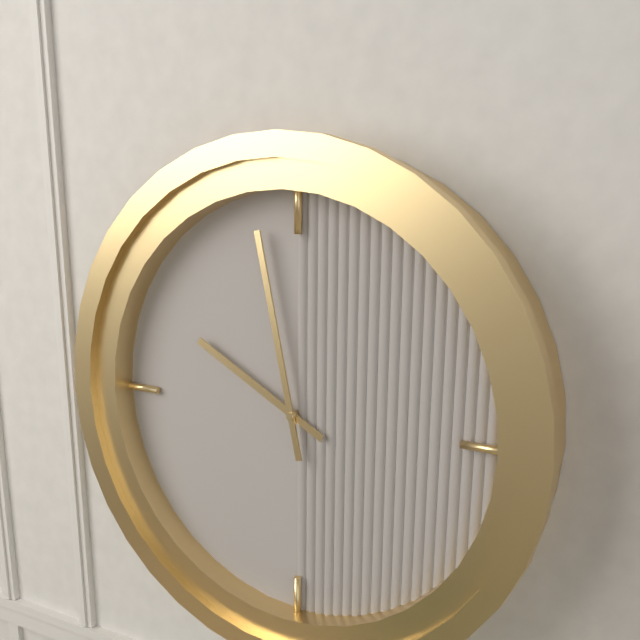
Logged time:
9,58
